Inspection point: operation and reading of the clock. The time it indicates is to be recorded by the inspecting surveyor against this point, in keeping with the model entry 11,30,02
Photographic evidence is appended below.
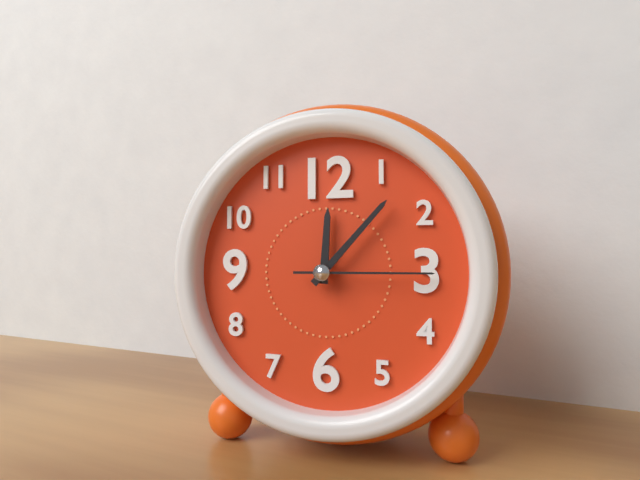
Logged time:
12,07,15
